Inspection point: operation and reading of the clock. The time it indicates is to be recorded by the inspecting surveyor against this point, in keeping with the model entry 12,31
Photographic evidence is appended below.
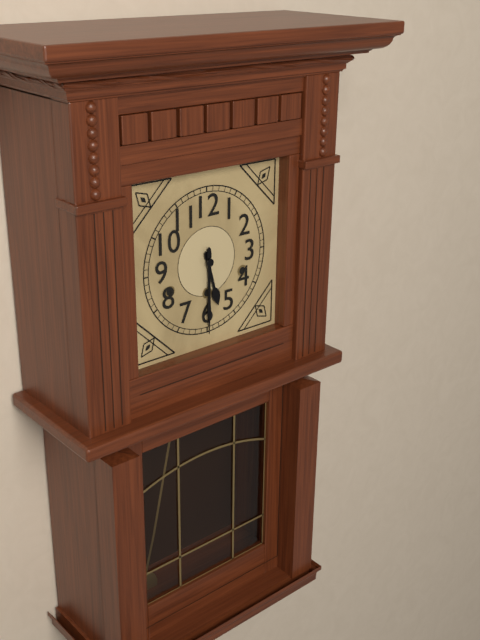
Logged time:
5,30
